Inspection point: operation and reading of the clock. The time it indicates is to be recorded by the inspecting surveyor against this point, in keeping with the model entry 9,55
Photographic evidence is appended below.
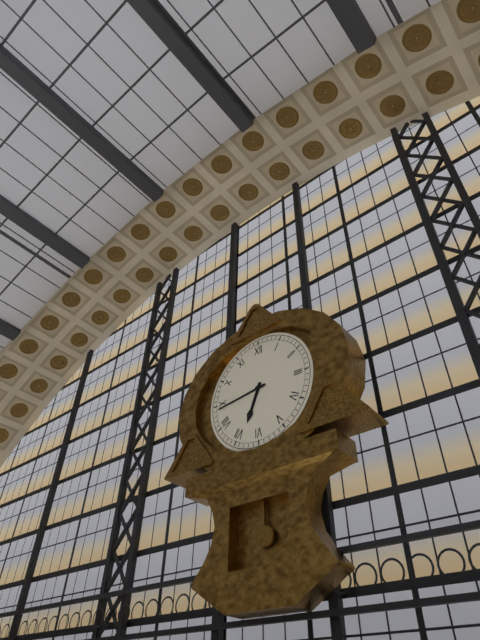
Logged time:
6,44
